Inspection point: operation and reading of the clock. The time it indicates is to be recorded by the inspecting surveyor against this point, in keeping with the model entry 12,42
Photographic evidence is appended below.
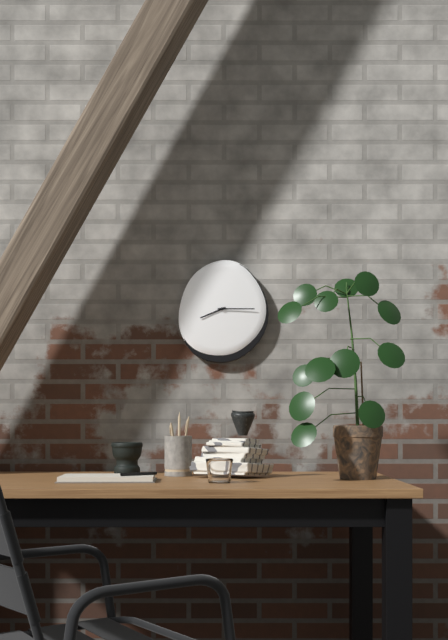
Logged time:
8,15
